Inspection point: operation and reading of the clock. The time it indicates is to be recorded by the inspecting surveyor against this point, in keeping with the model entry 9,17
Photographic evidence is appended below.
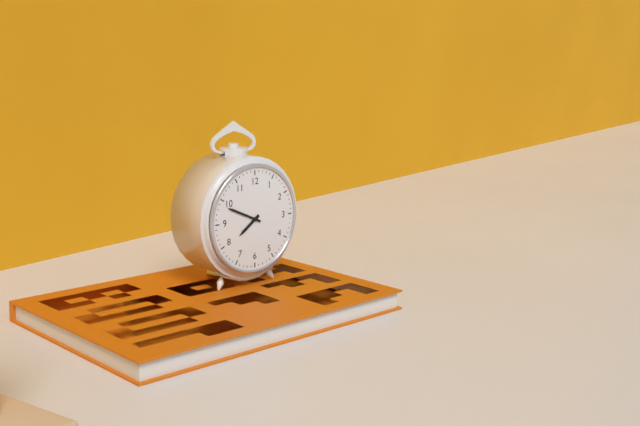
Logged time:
7,49
